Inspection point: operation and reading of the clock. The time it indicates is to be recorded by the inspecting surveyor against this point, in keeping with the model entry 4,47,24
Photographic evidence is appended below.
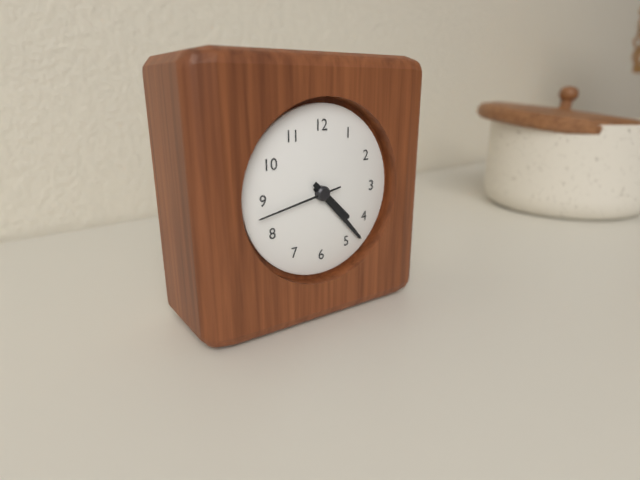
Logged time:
4,23,43
